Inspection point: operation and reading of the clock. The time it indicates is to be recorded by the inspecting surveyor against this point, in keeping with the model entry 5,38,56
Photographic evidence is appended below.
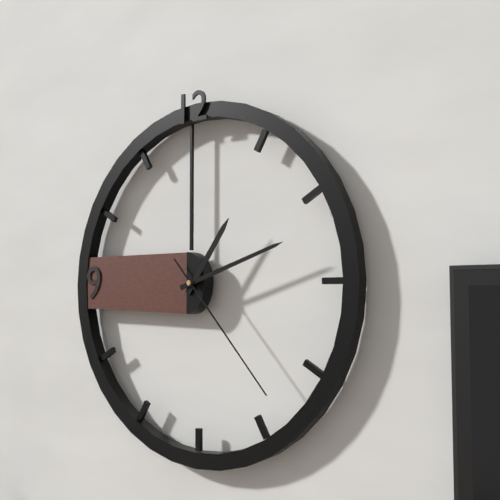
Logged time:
1,12,23
